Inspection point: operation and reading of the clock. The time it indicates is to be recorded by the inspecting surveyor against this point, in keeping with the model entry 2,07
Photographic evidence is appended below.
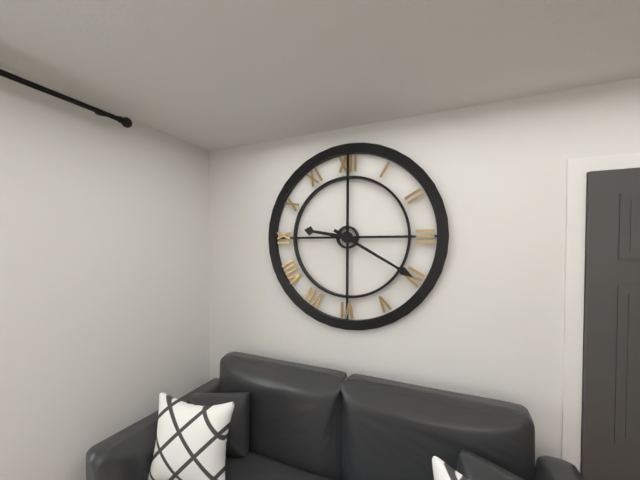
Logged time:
9,20
